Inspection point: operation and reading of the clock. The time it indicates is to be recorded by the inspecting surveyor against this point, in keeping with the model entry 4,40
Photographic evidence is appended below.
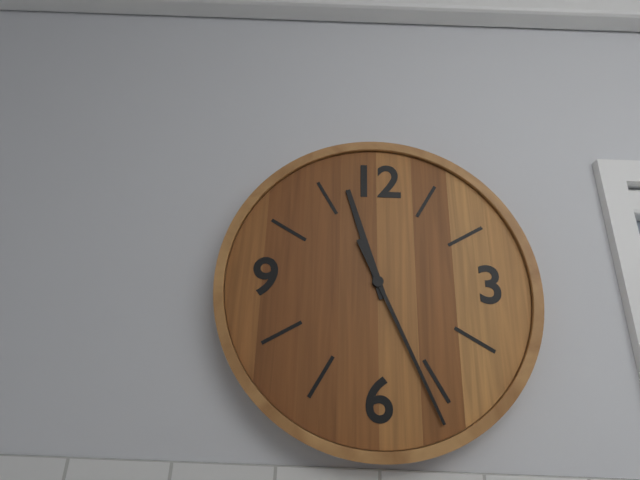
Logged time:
11,26
